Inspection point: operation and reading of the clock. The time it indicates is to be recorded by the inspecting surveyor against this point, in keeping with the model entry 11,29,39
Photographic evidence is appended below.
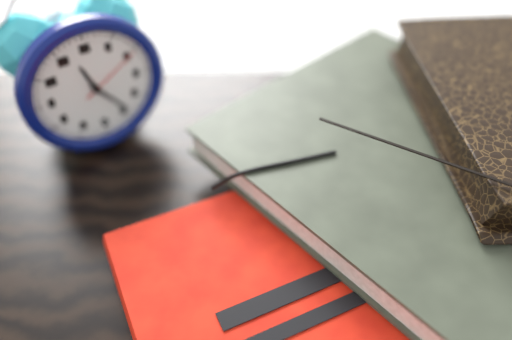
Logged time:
11,24,10
